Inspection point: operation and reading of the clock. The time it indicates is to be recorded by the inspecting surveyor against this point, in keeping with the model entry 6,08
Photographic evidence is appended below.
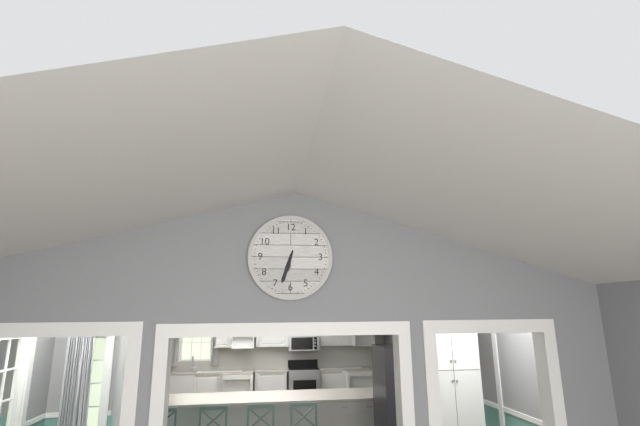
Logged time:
6,33
